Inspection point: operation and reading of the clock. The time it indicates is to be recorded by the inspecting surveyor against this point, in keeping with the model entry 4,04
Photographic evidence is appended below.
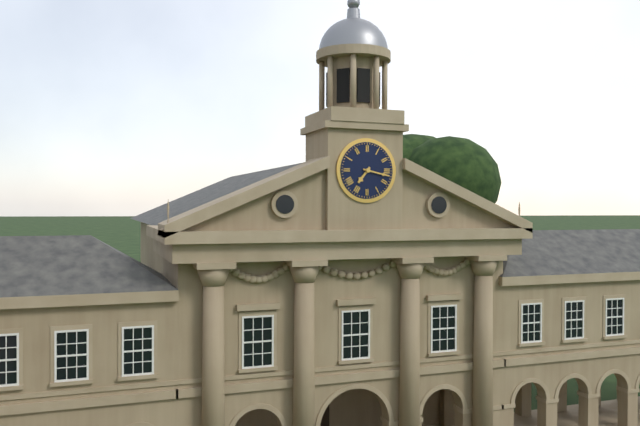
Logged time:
7,17
